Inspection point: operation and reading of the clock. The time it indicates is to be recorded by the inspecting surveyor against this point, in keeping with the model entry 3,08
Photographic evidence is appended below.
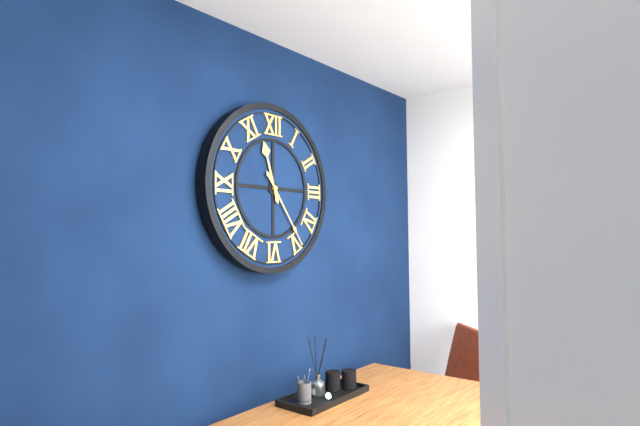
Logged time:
11,24
